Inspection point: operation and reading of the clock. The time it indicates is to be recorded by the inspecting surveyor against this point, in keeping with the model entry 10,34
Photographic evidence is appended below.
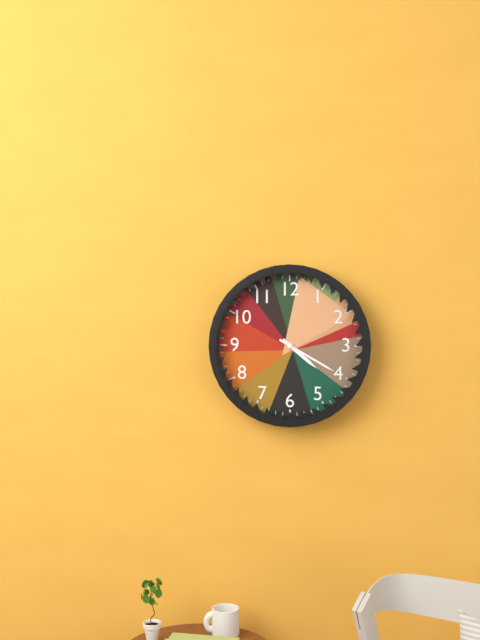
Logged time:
4,20
